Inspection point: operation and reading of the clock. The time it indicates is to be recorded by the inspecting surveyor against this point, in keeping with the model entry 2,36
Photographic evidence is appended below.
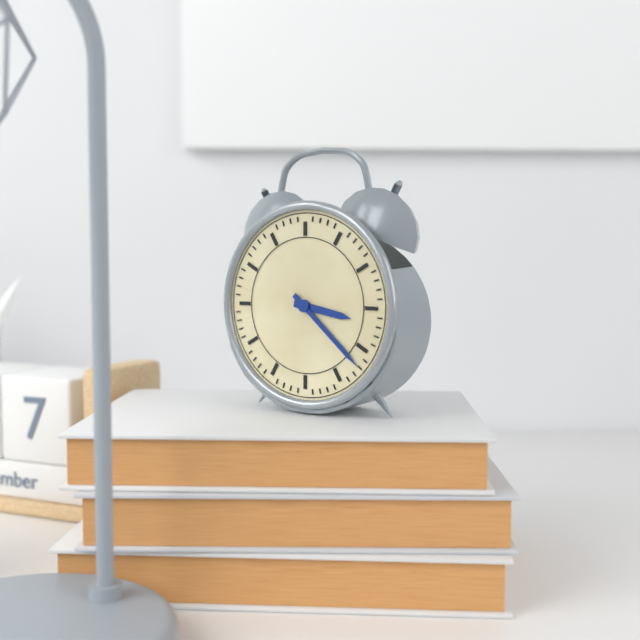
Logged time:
3,22
